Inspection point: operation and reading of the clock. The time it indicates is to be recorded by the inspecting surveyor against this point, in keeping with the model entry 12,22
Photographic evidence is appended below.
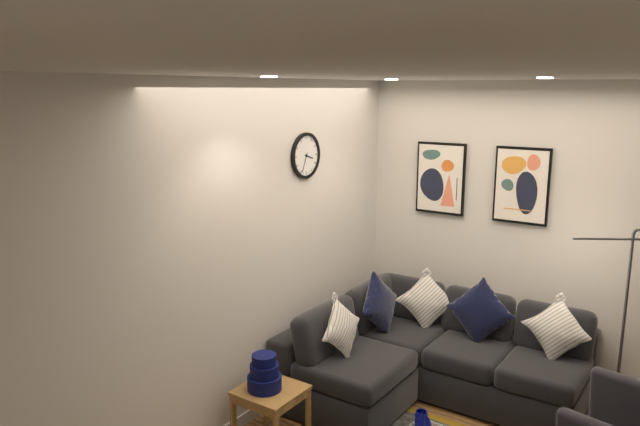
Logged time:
3,34
